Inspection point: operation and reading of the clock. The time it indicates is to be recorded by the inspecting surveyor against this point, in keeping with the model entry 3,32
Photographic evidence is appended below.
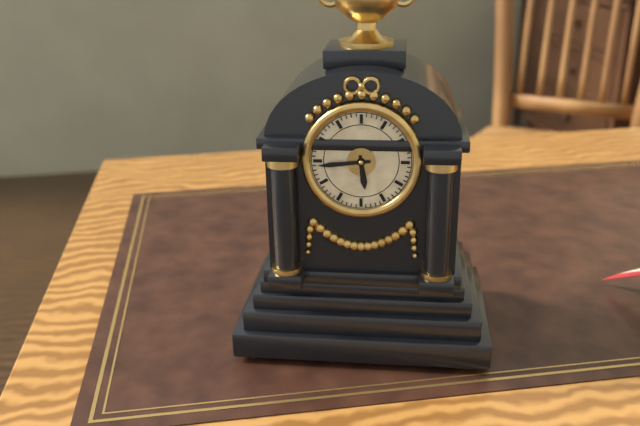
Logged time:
5,44
